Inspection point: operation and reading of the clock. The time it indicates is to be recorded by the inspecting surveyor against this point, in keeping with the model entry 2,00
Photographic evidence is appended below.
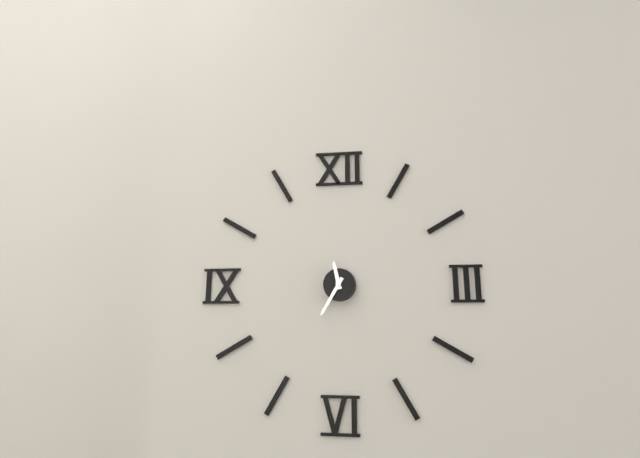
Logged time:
11,35
